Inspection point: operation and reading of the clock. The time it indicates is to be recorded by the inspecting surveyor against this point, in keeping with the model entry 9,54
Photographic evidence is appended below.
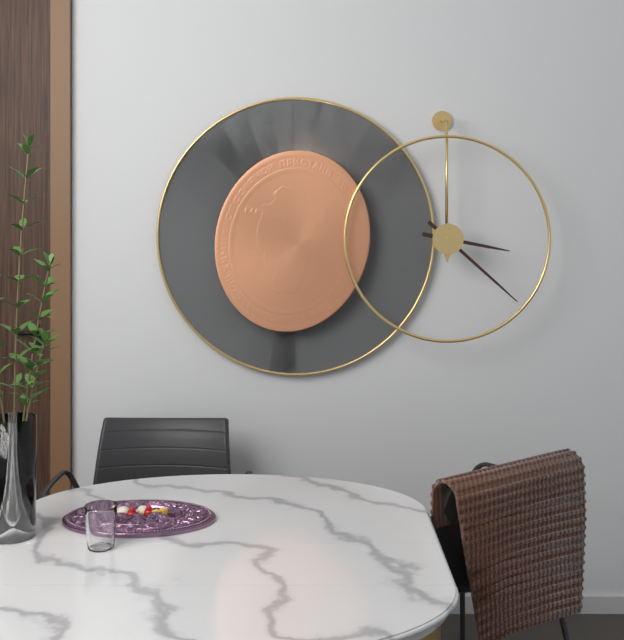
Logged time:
3,22
